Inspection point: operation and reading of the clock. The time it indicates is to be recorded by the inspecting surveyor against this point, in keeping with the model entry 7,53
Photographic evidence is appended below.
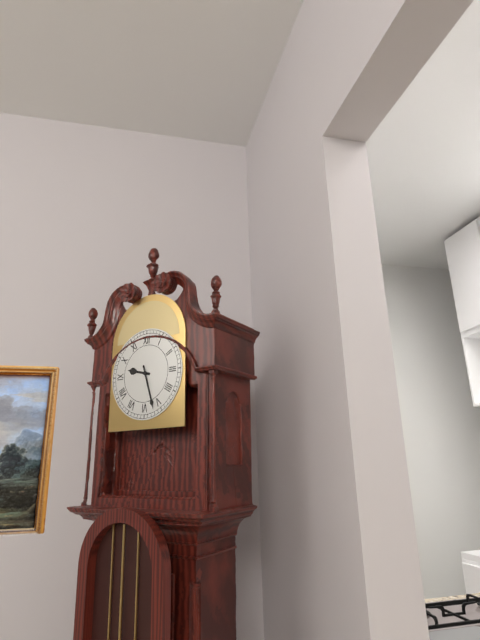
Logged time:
9,27
